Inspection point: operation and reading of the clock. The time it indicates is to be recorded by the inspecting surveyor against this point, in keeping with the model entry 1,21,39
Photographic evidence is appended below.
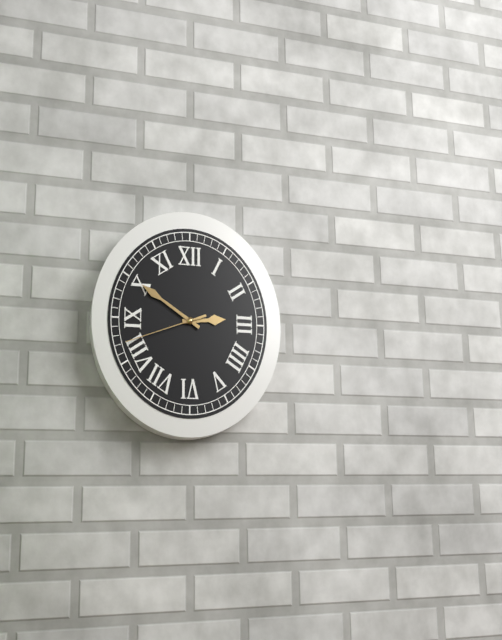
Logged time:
2,50,42
